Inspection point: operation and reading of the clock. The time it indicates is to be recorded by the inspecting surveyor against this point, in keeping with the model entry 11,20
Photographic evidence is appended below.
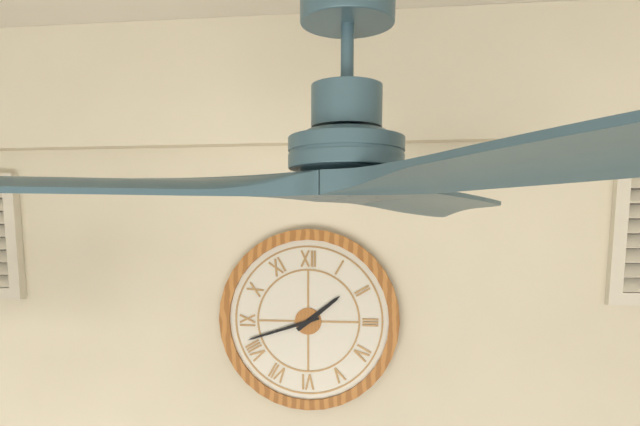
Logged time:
1,42
